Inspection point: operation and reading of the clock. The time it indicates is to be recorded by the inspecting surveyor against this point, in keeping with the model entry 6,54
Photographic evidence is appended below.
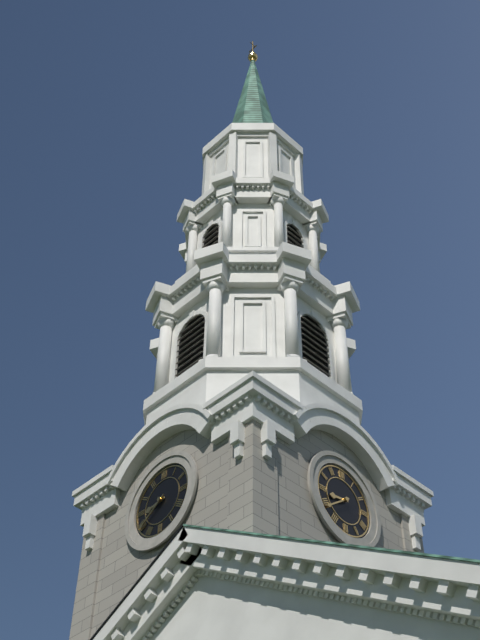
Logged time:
8,39
